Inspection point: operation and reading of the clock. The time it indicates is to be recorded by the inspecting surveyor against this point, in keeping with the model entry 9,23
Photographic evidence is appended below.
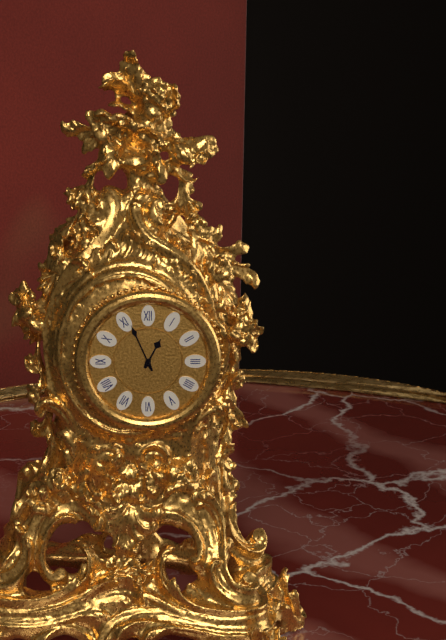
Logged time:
12,56
